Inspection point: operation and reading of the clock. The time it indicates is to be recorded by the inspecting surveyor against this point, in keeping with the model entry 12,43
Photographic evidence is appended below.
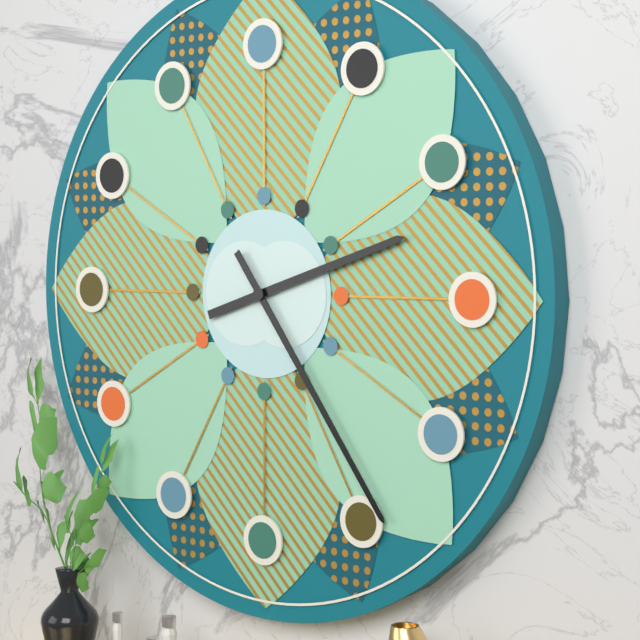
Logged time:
2,24
